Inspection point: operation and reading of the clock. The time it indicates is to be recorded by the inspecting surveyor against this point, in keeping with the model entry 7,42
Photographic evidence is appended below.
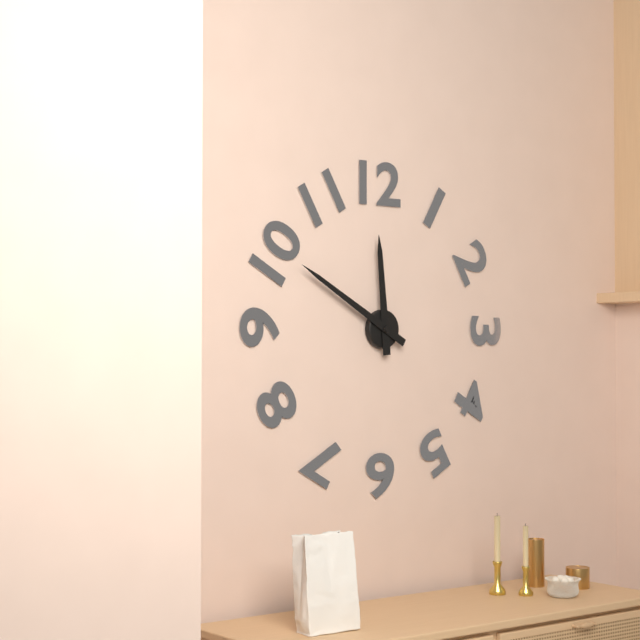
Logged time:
11,50
